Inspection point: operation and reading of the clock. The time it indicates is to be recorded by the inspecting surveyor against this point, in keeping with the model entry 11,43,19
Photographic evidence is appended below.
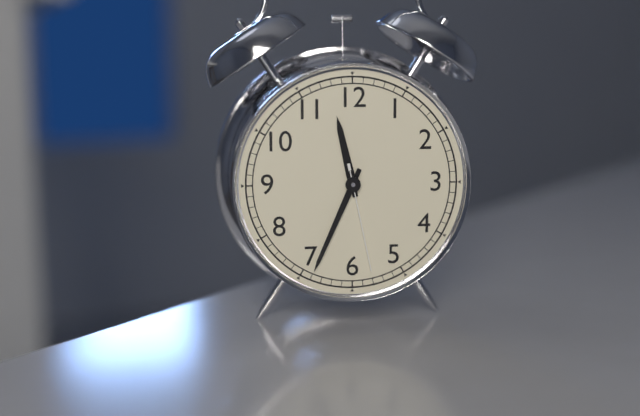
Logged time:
11,34,28
